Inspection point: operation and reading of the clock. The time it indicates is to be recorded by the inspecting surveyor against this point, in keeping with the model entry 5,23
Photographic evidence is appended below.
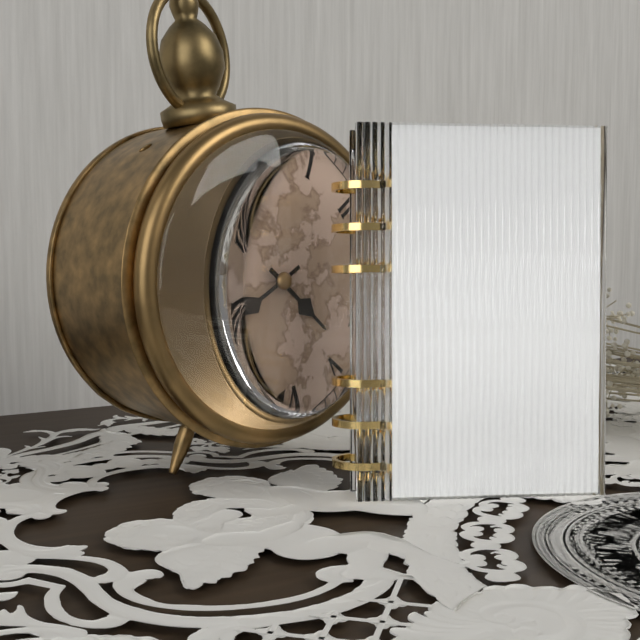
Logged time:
4,41
